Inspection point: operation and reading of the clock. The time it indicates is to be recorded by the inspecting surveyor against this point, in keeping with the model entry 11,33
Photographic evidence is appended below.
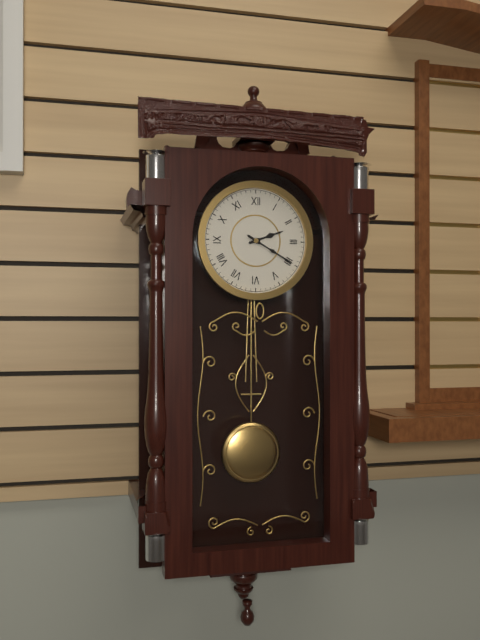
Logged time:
2,20
